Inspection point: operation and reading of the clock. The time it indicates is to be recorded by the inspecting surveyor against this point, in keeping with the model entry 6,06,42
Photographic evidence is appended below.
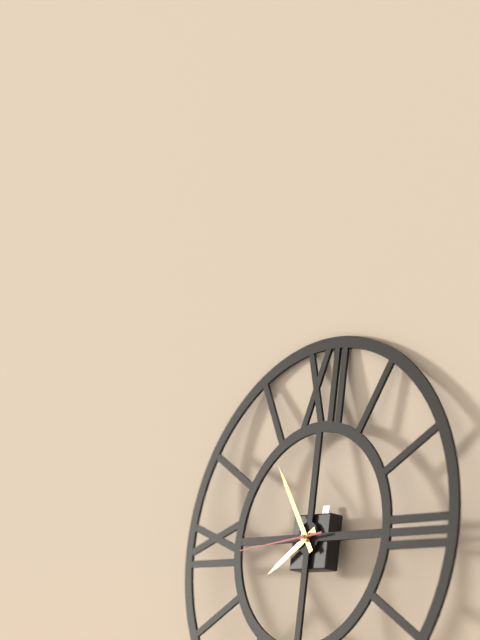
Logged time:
7,54,44
